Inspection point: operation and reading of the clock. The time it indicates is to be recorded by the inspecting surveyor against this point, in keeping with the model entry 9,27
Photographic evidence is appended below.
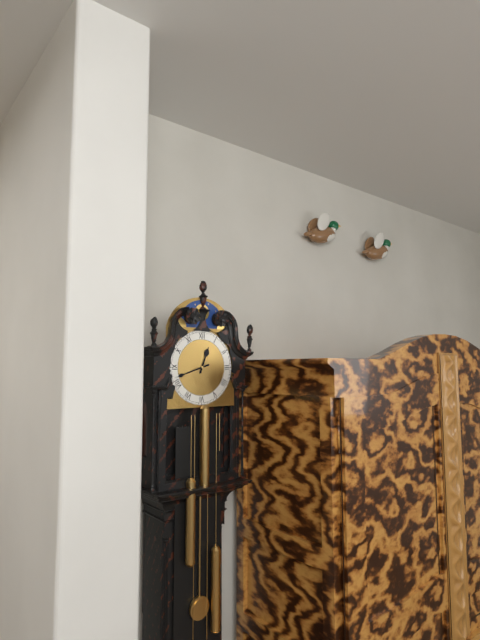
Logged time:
12,42
